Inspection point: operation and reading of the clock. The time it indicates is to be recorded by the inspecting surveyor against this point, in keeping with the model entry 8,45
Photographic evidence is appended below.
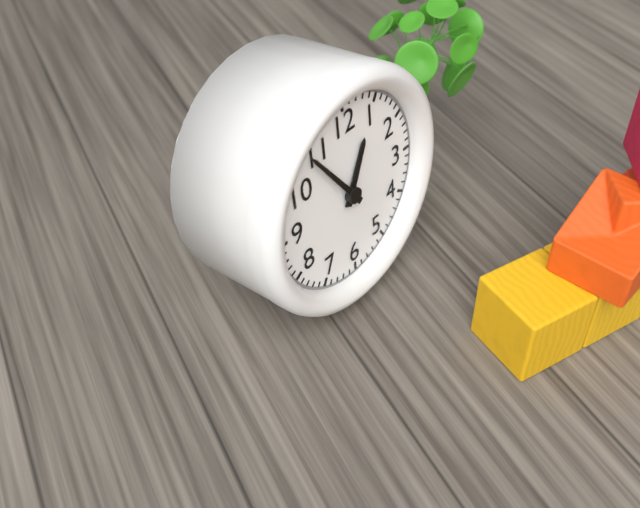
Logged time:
12,54
